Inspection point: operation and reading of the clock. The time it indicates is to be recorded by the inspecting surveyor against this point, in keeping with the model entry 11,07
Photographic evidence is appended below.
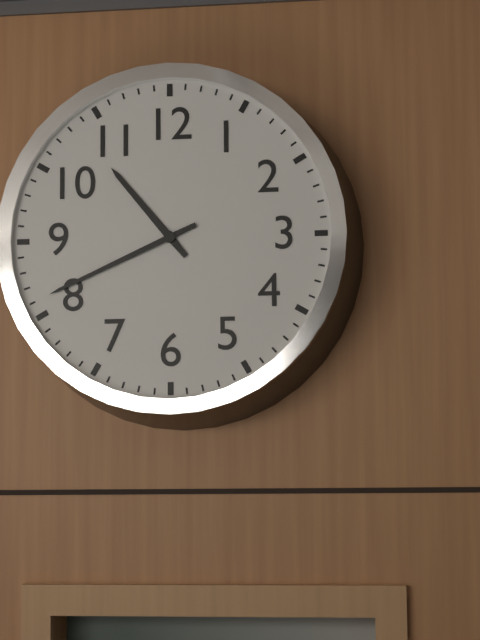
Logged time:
10,41
